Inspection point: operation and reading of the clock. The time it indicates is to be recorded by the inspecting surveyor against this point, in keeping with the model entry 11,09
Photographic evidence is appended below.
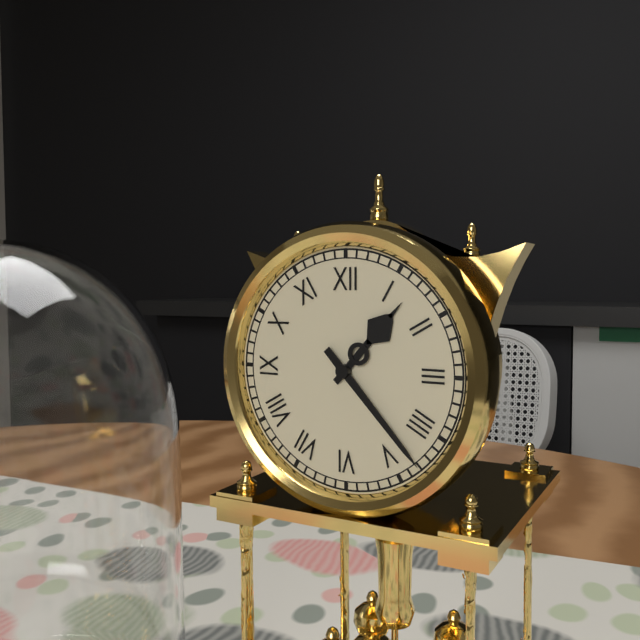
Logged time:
1,23
